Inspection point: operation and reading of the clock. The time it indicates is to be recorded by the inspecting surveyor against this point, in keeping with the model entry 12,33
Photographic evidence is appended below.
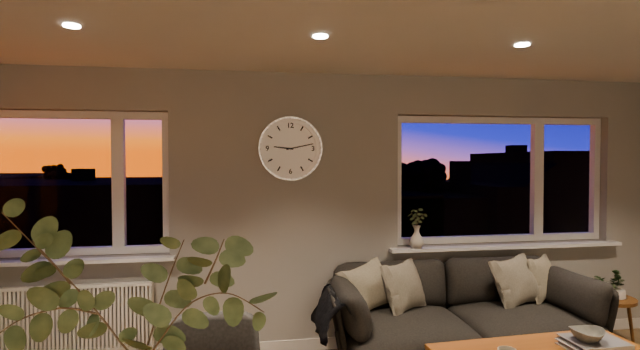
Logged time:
9,13
